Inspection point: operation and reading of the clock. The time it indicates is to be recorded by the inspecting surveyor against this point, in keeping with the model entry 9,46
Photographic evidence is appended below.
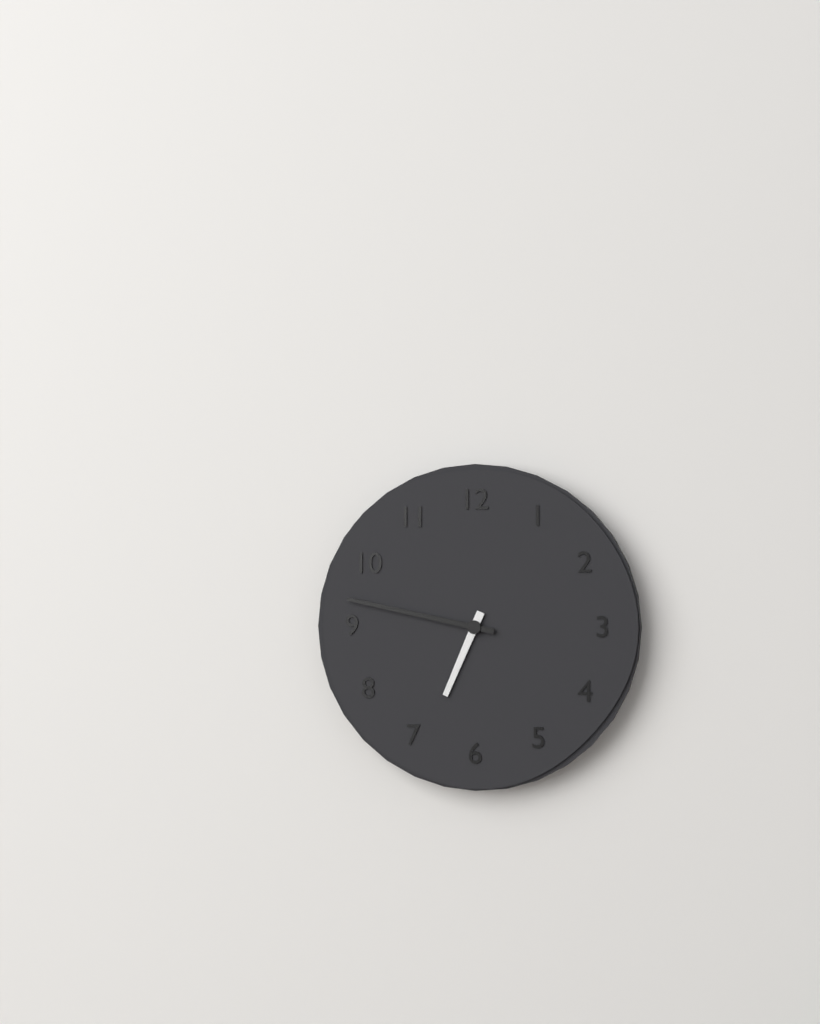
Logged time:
6,47
